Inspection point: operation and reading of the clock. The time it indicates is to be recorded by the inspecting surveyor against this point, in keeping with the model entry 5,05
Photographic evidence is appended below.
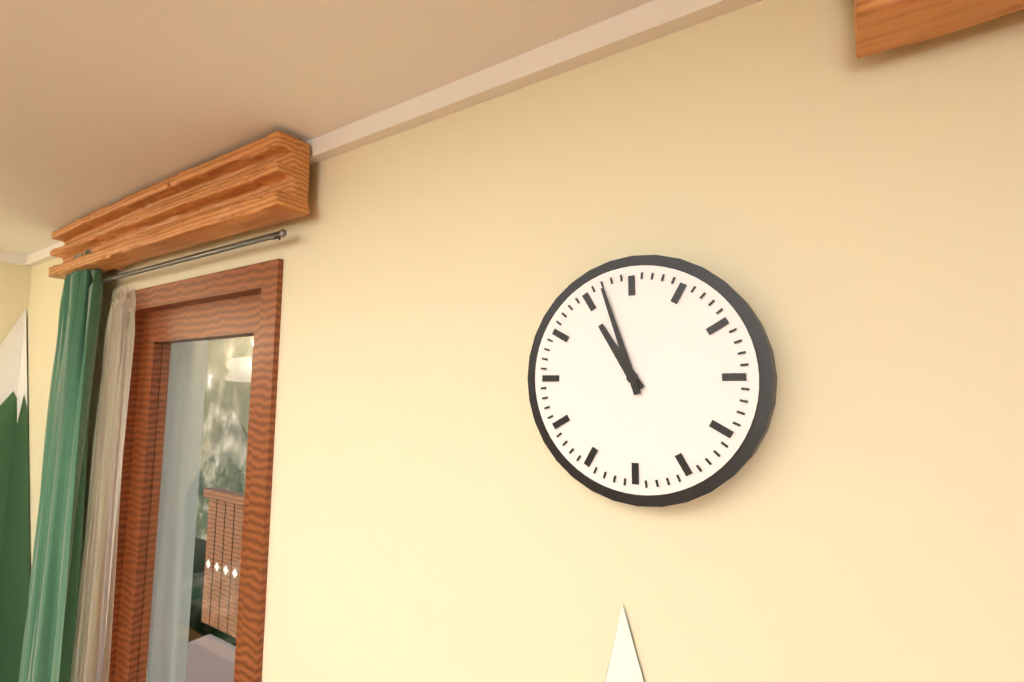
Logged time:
10,57
